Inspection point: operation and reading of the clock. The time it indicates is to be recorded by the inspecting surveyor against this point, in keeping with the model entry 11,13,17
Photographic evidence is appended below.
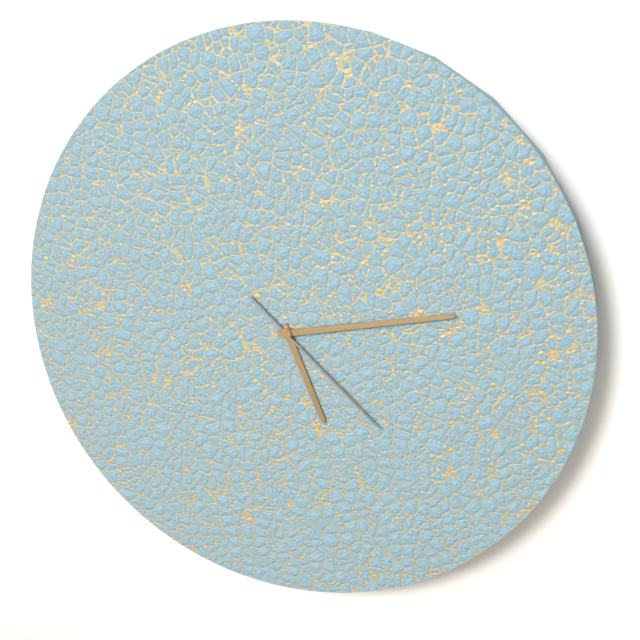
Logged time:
5,13,22
